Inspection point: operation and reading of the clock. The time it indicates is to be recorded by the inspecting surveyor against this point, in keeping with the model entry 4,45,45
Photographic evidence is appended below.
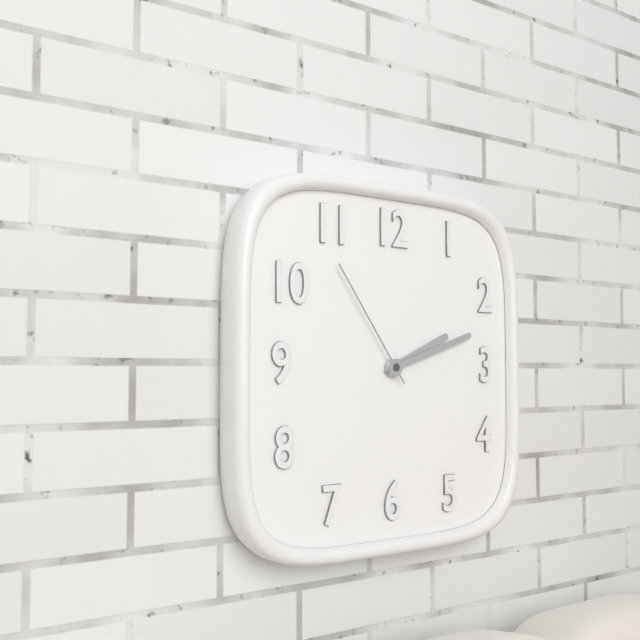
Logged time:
2,12,54
